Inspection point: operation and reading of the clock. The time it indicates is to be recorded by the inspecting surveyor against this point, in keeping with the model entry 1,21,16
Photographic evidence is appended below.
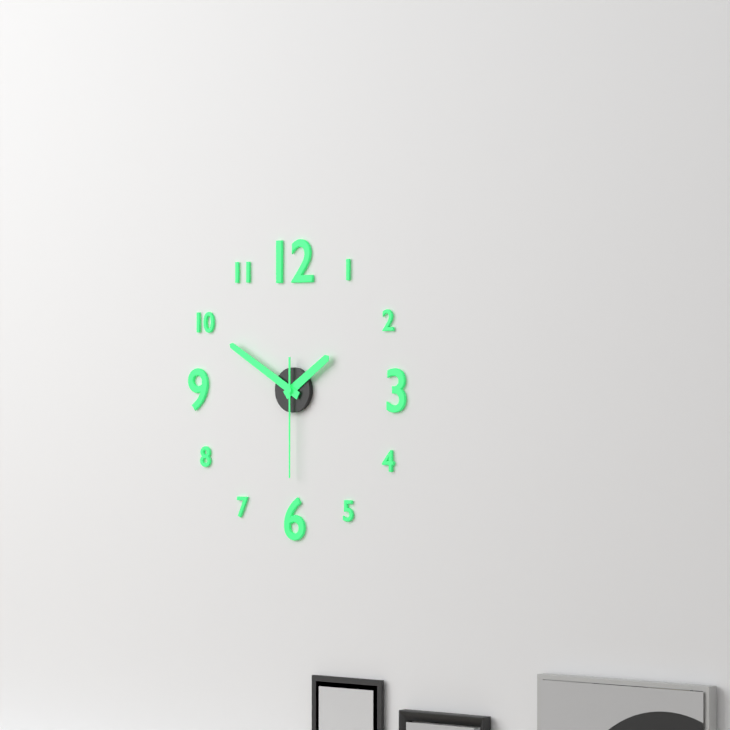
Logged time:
1,50,30
